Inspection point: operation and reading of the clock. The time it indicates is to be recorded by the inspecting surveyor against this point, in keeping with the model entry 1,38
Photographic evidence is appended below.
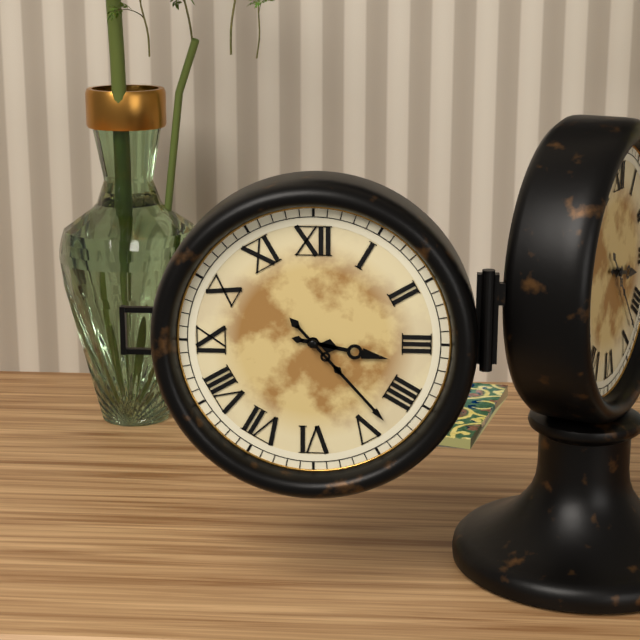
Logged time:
3,23
